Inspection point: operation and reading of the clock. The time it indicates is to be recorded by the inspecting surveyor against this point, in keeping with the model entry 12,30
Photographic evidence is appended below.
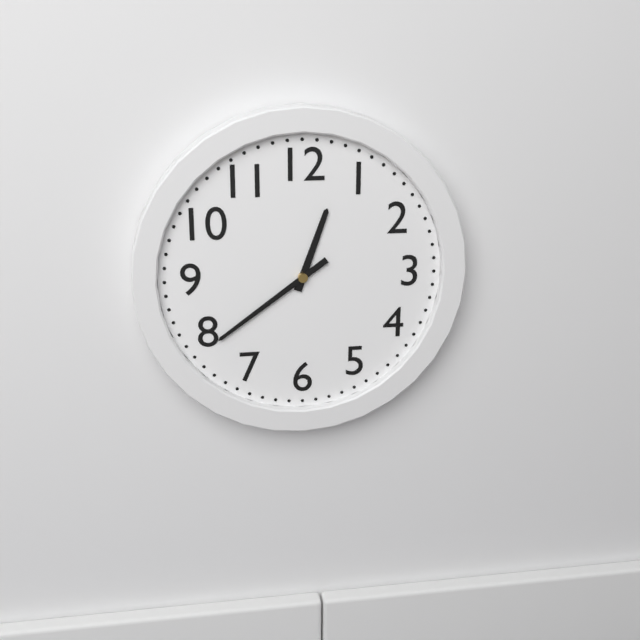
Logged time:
12,39
